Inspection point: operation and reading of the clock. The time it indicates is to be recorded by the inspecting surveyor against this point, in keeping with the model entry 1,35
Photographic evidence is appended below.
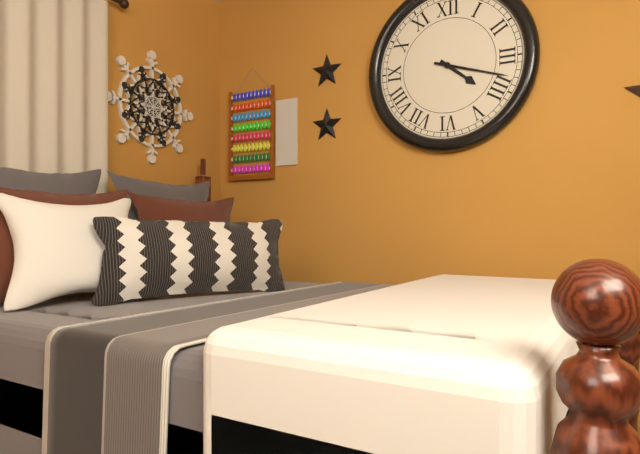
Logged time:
4,18
